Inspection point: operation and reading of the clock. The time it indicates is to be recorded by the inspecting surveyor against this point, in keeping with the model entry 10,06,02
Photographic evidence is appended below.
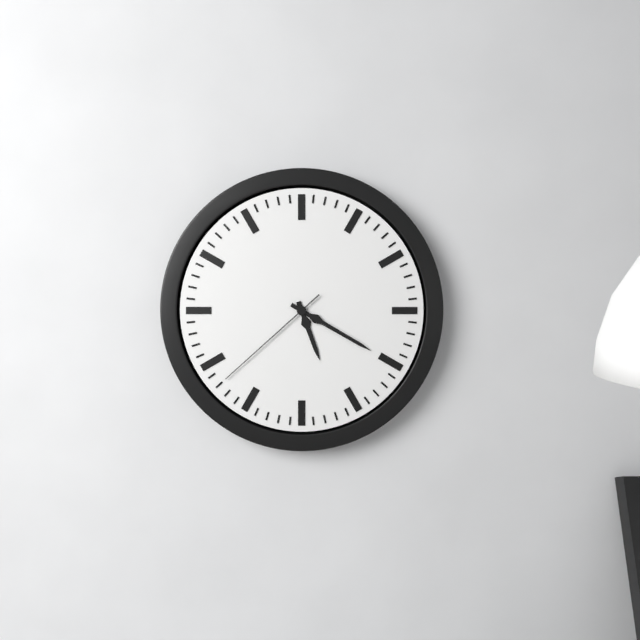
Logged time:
5,20,38
